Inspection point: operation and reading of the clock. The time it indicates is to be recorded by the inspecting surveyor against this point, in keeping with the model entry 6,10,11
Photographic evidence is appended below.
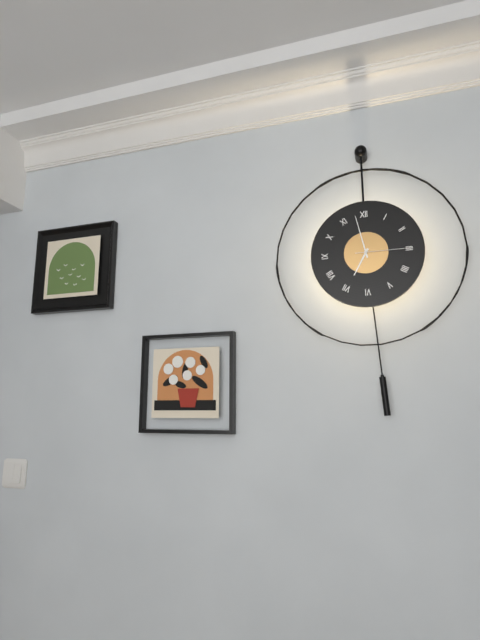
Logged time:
6,58,15
